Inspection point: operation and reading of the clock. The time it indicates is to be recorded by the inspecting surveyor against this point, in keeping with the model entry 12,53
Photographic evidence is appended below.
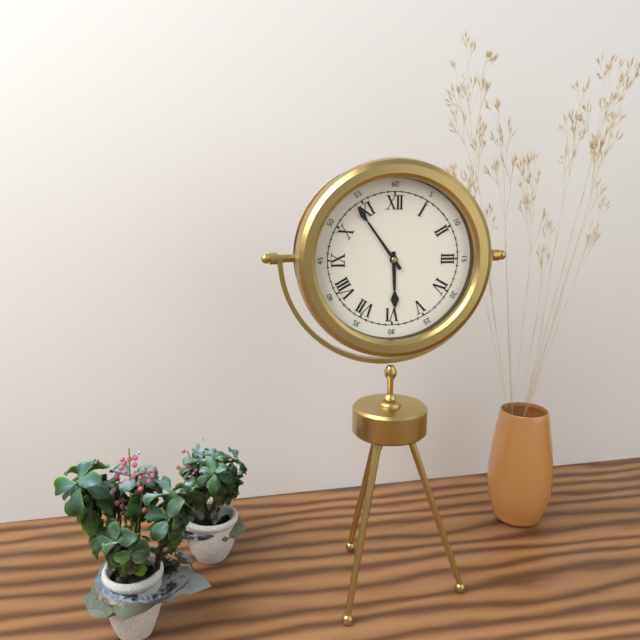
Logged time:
5,54
